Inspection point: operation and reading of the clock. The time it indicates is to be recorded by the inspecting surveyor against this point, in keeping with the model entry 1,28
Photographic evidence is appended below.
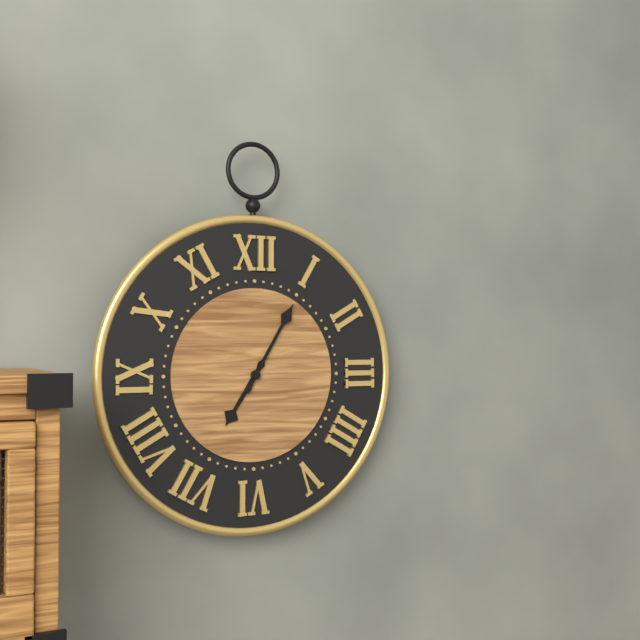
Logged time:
7,05
